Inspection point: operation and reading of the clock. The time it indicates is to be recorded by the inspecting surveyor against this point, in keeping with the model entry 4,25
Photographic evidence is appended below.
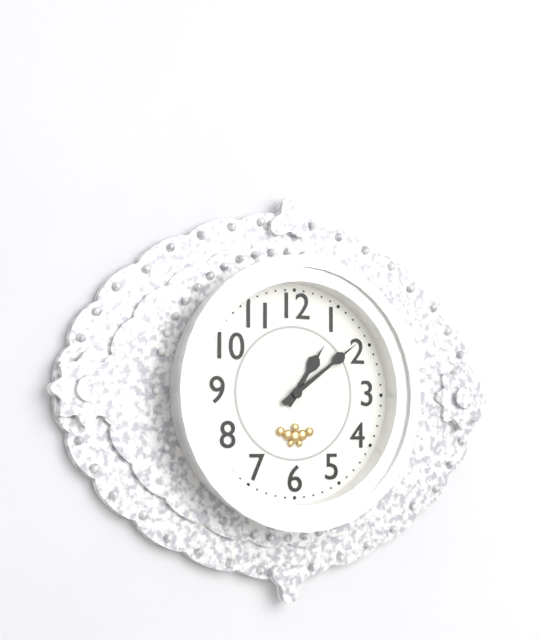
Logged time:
1,09
